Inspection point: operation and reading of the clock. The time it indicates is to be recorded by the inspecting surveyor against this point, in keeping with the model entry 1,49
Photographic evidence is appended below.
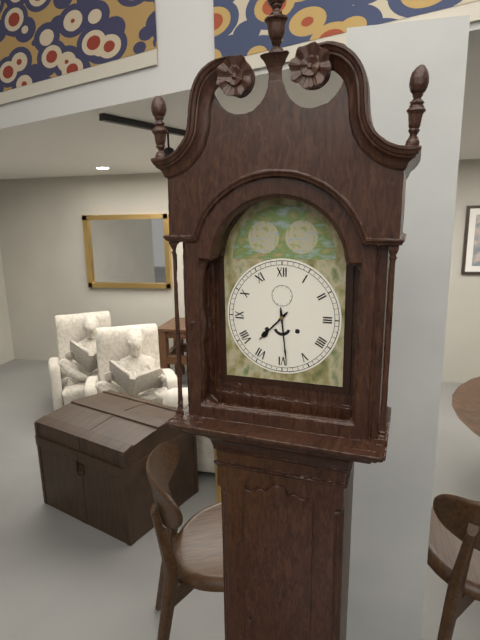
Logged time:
7,29
